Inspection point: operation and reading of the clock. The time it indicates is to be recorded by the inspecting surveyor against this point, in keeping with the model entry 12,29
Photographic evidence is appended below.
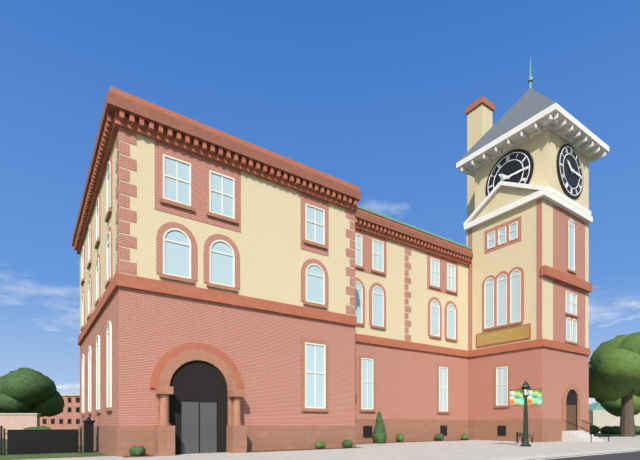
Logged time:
10,15
